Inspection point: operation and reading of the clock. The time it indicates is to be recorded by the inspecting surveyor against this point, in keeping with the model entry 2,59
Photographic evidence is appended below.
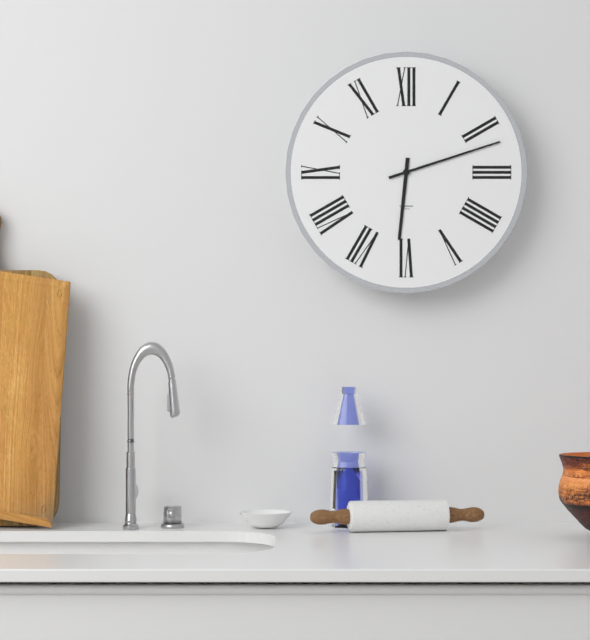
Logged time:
6,12
